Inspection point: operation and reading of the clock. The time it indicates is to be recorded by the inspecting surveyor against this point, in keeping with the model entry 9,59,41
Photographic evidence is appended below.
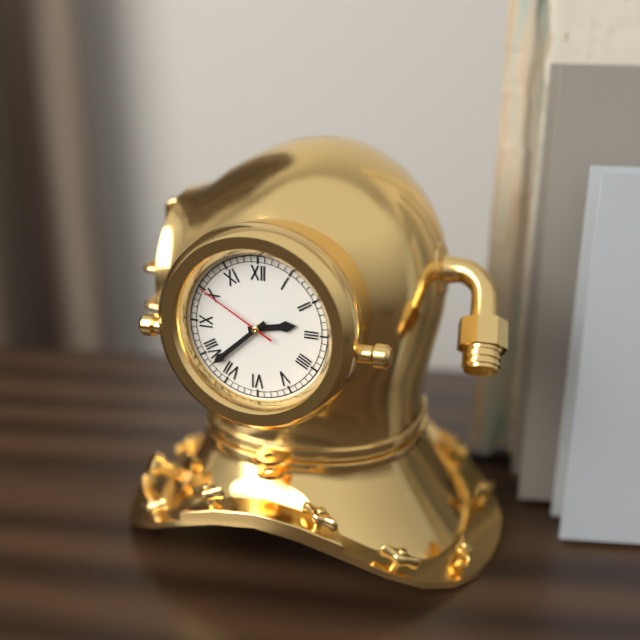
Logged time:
2,38,50
